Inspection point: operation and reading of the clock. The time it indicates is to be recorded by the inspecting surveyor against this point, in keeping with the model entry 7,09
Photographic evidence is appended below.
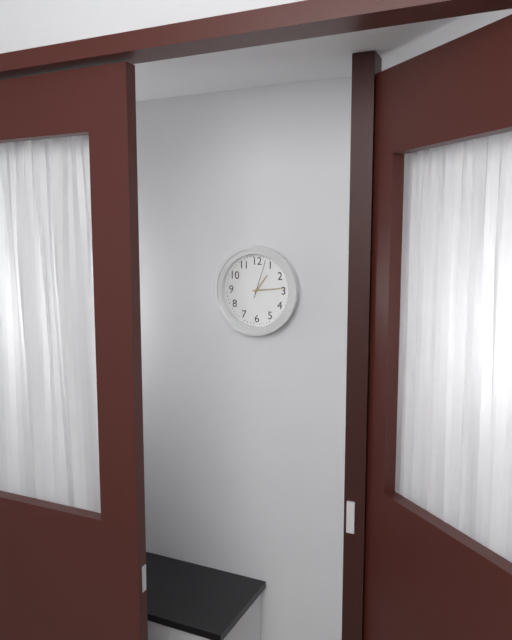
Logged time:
1,14
